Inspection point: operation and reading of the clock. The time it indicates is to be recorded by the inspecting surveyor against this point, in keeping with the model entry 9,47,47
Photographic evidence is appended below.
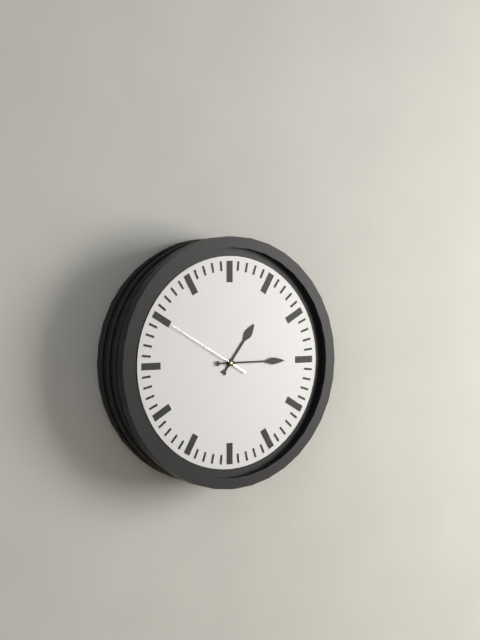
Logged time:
1,15,50
